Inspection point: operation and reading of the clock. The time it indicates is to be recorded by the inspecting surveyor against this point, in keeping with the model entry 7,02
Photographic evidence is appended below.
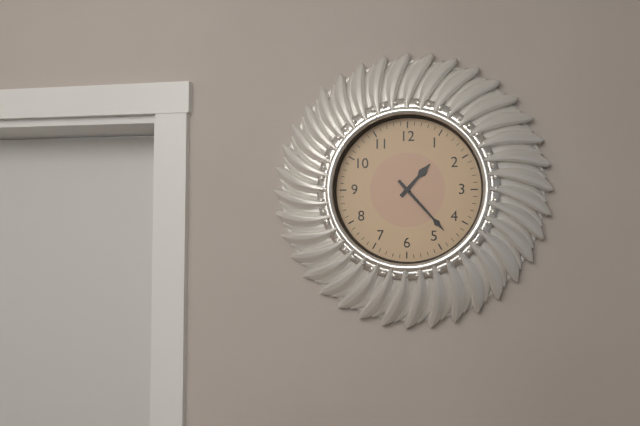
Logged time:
1,23
